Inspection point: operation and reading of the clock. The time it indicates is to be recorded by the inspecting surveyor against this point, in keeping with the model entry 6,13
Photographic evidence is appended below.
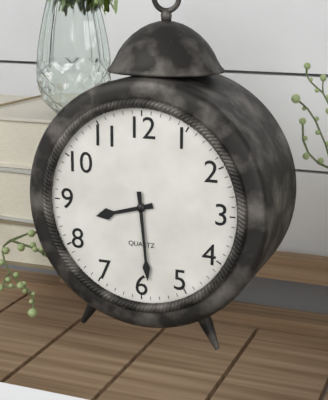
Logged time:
8,29
